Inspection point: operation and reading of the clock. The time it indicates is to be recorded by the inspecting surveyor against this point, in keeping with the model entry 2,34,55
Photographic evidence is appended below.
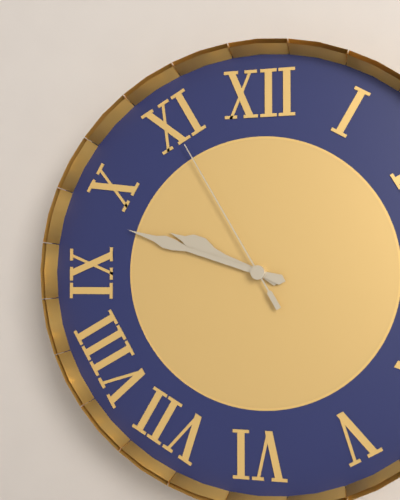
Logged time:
9,48,55
